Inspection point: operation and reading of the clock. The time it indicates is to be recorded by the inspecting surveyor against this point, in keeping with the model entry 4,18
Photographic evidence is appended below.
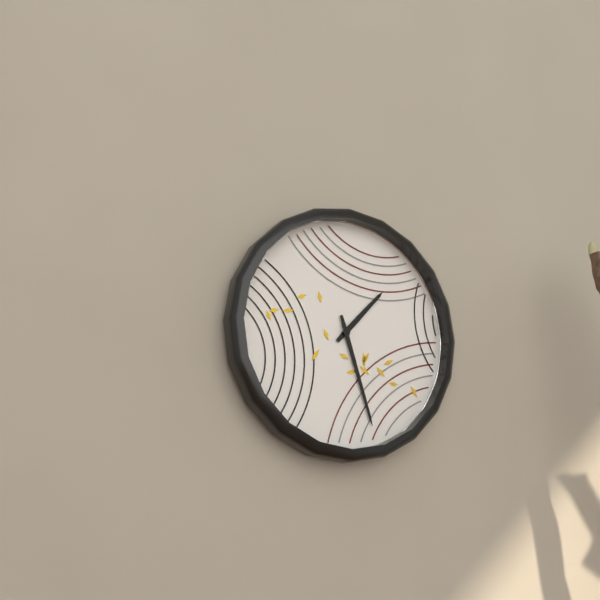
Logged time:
1,27
